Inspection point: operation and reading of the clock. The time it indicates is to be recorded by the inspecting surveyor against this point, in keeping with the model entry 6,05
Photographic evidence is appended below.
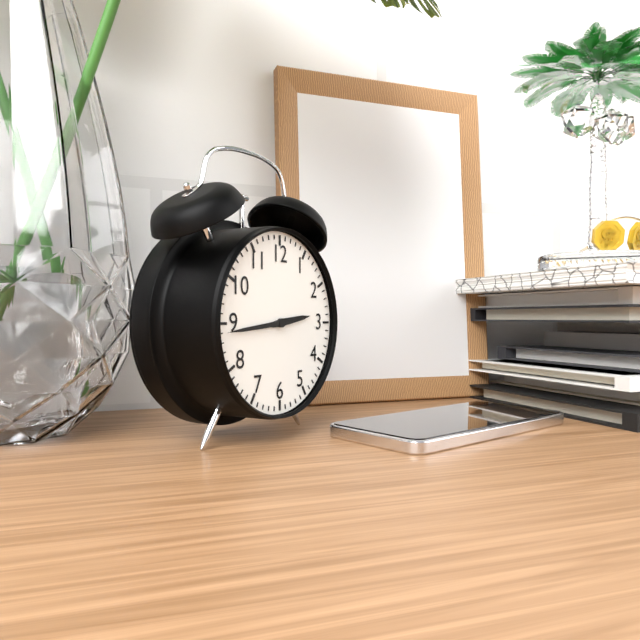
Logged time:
2,44
